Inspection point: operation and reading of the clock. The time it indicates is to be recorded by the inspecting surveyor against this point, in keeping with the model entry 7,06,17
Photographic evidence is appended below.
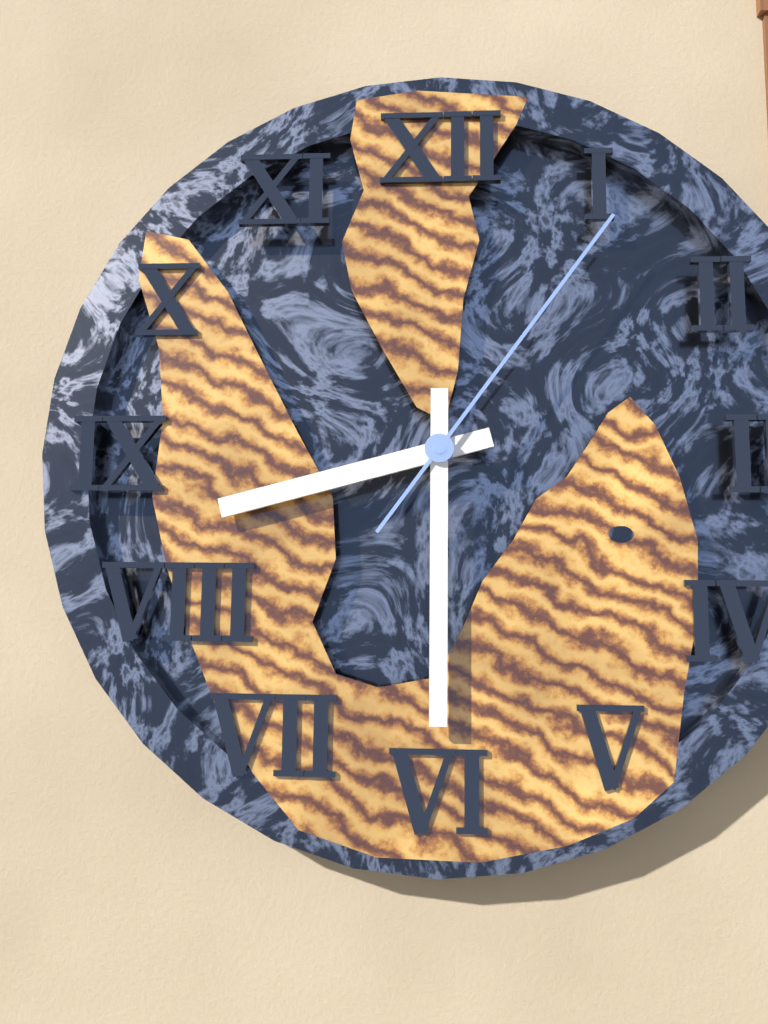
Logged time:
8,30,06
